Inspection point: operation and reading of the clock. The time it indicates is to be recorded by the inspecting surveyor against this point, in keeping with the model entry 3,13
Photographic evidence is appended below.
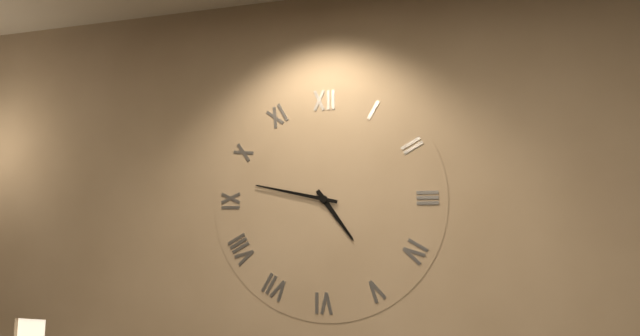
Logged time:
4,47
